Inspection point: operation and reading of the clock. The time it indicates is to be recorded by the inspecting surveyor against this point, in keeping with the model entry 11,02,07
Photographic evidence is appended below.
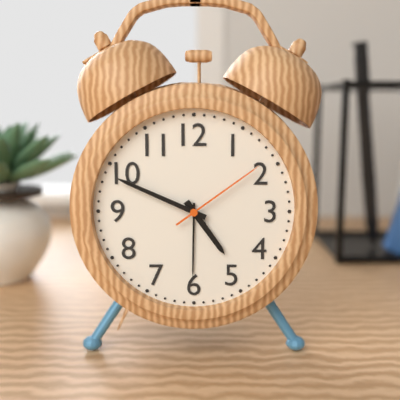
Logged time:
4,49,09
